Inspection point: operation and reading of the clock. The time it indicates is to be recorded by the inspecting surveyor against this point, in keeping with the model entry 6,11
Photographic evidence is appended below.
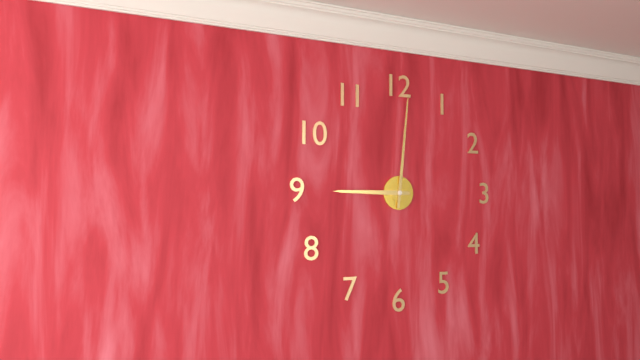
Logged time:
9,01
